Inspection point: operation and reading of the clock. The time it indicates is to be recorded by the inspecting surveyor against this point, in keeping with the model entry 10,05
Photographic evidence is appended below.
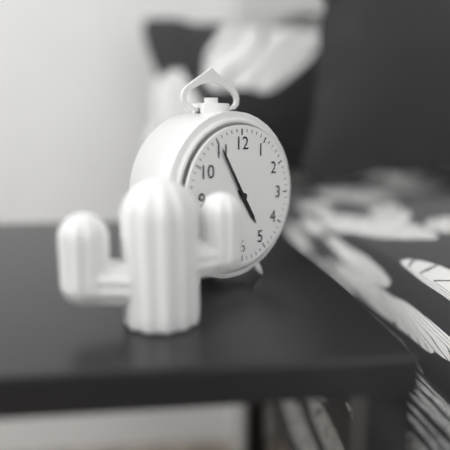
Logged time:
4,55
